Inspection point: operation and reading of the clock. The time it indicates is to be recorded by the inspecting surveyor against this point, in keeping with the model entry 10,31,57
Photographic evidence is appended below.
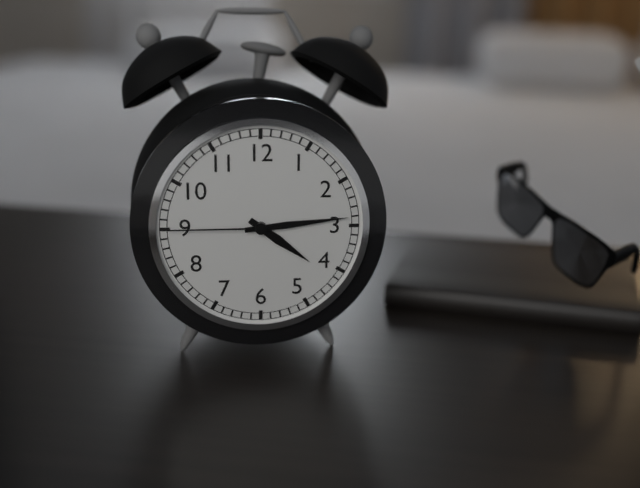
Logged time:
4,14,45
